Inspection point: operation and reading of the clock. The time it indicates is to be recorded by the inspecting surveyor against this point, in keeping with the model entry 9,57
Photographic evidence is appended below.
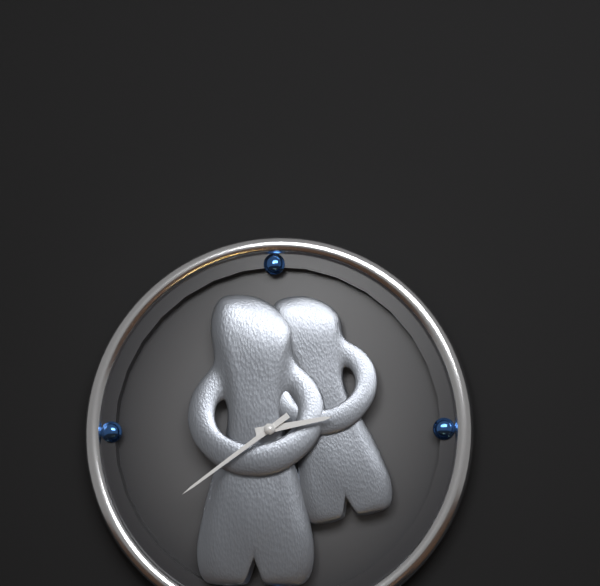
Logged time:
2,39
